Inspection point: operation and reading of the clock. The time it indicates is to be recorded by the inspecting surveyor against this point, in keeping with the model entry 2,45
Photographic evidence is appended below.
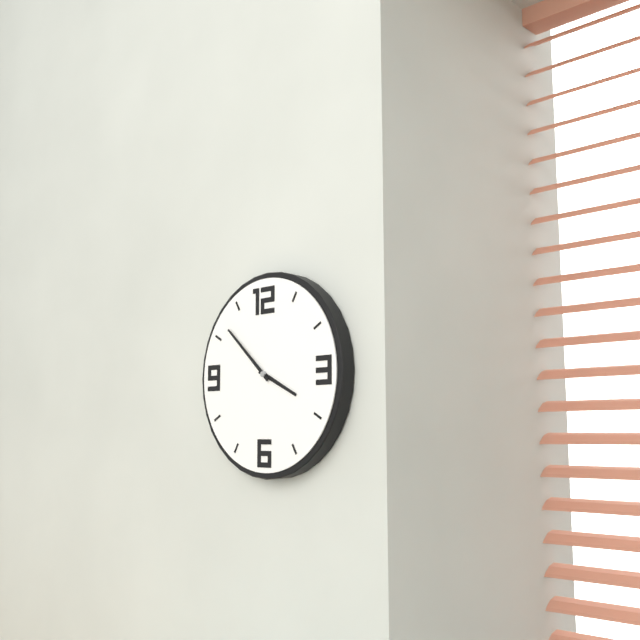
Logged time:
3,52
